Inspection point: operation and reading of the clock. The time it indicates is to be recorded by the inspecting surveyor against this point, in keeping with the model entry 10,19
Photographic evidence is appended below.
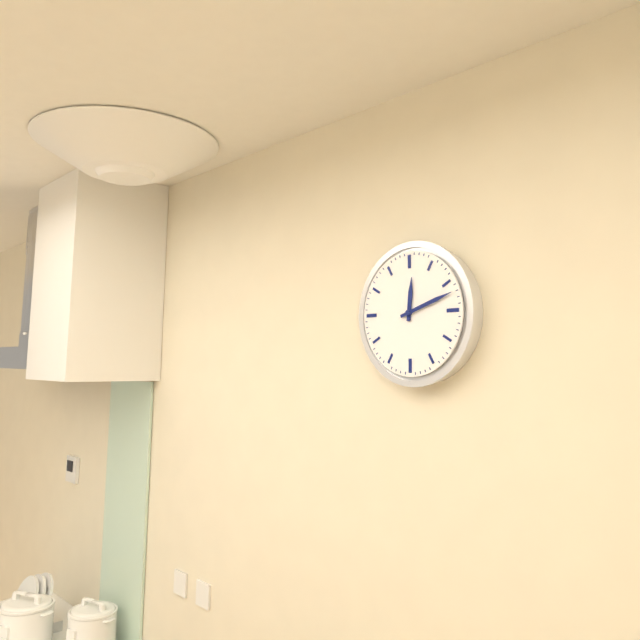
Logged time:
12,12
